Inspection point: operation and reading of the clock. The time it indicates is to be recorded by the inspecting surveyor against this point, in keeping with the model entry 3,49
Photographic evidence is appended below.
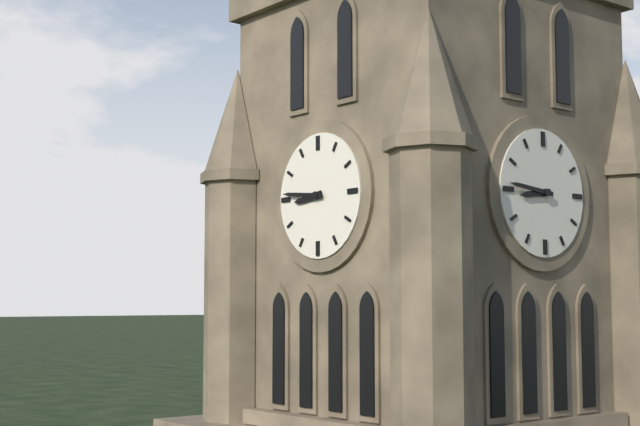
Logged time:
8,46
